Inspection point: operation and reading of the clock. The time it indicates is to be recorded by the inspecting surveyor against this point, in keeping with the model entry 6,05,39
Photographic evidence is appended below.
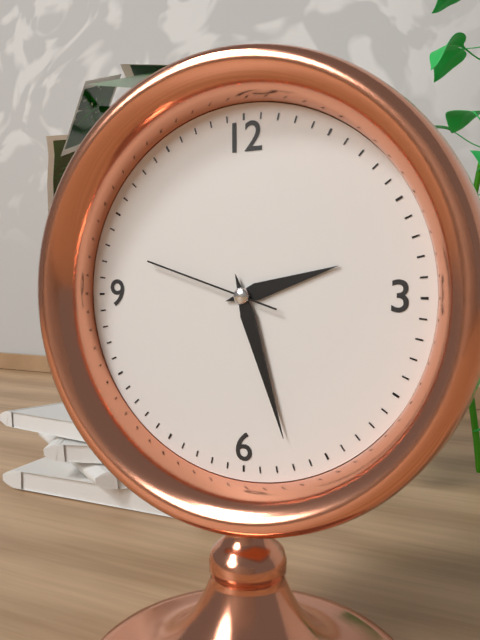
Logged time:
2,27,48
